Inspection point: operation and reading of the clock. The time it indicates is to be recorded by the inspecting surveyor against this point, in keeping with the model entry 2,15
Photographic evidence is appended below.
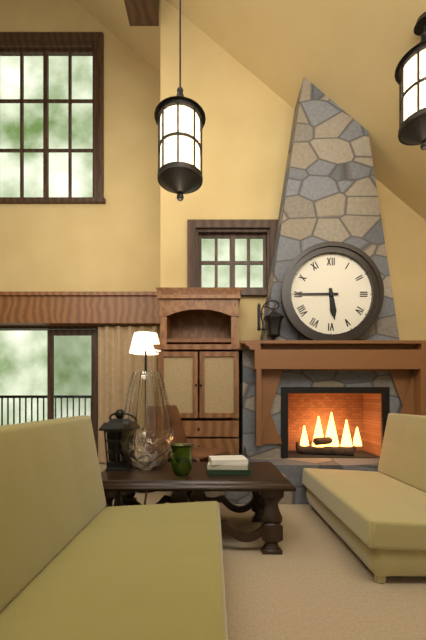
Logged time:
5,45
